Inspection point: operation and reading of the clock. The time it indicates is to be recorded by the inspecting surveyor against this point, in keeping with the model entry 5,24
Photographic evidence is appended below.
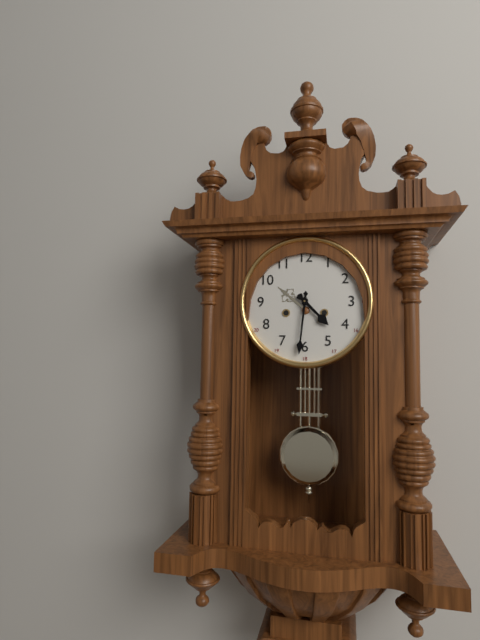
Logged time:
4,31
